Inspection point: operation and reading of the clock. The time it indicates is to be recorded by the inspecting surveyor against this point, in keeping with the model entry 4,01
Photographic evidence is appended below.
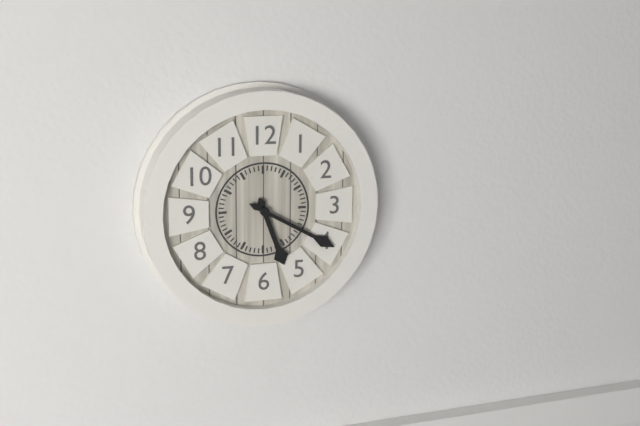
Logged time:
5,20
